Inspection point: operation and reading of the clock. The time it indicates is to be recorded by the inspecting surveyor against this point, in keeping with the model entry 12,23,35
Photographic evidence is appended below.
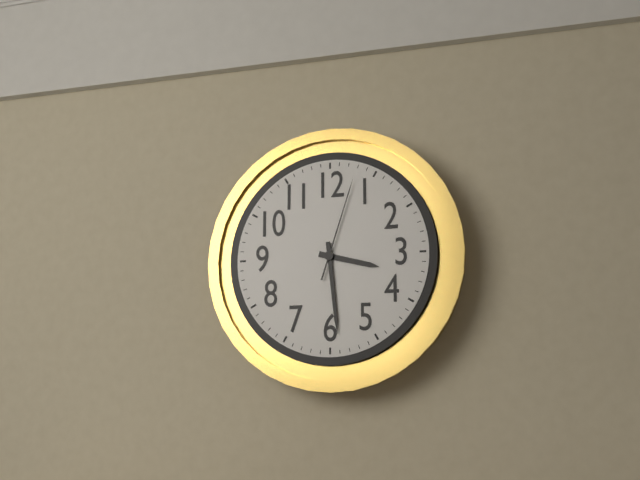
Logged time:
3,29,03
